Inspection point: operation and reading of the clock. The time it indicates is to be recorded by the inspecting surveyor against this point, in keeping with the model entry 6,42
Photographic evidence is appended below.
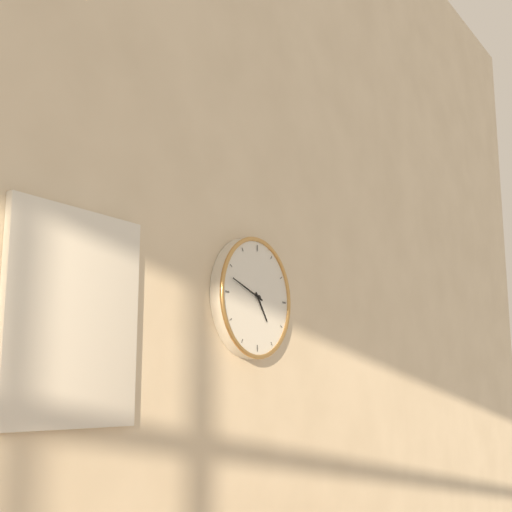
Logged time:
4,48
